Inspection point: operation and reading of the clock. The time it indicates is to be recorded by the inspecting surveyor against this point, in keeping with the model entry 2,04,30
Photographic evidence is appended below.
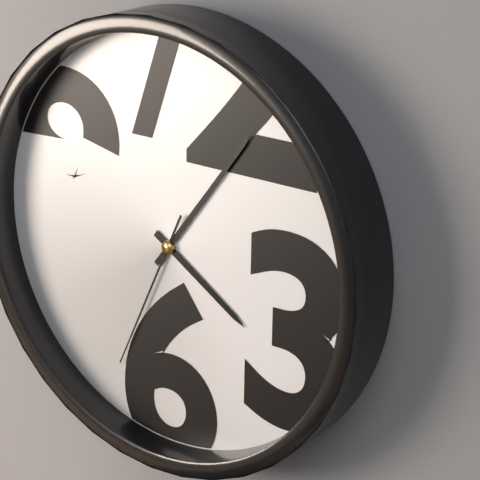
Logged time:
4,06,34
